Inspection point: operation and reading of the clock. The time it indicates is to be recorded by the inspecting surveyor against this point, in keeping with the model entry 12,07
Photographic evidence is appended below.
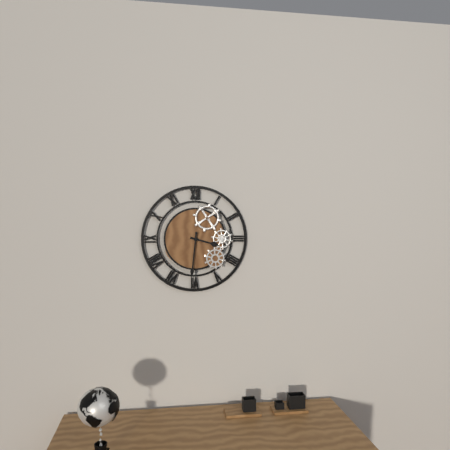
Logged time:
3,31
